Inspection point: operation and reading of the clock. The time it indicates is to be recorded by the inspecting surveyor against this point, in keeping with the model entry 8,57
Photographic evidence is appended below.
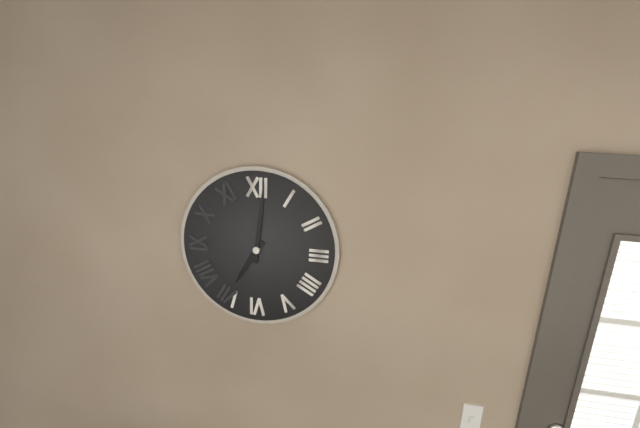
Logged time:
7,01
